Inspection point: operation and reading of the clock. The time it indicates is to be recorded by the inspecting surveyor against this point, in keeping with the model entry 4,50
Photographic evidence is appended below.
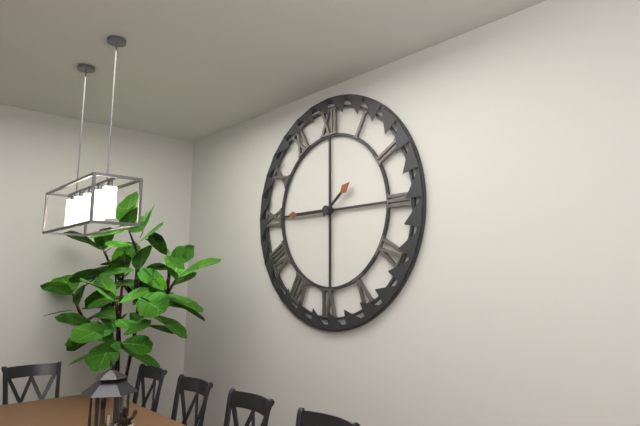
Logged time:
1,45
